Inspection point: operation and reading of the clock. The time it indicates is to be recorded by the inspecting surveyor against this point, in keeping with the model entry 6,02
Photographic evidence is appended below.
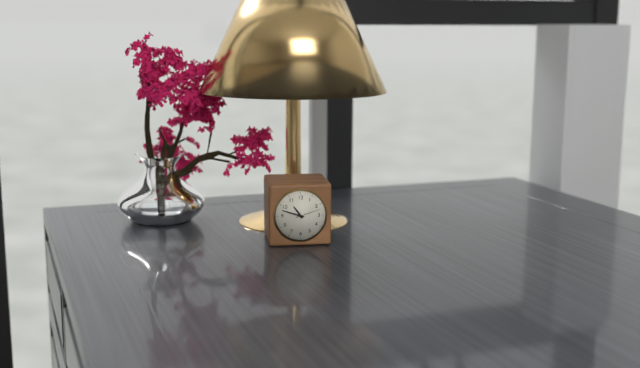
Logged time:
10,48
